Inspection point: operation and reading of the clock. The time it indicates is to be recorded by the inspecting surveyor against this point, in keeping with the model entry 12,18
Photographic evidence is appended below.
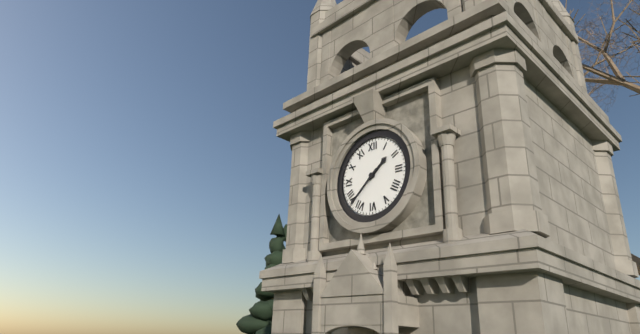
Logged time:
1,38
